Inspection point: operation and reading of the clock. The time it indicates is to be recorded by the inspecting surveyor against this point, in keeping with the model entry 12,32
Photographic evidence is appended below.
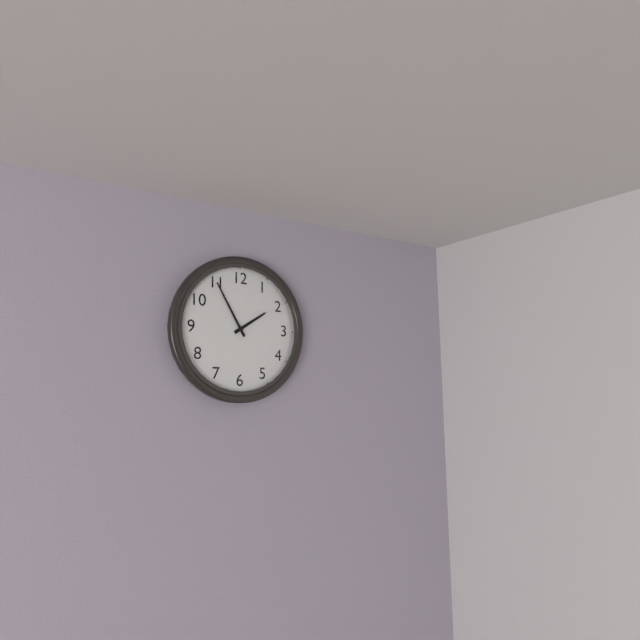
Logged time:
1,55
